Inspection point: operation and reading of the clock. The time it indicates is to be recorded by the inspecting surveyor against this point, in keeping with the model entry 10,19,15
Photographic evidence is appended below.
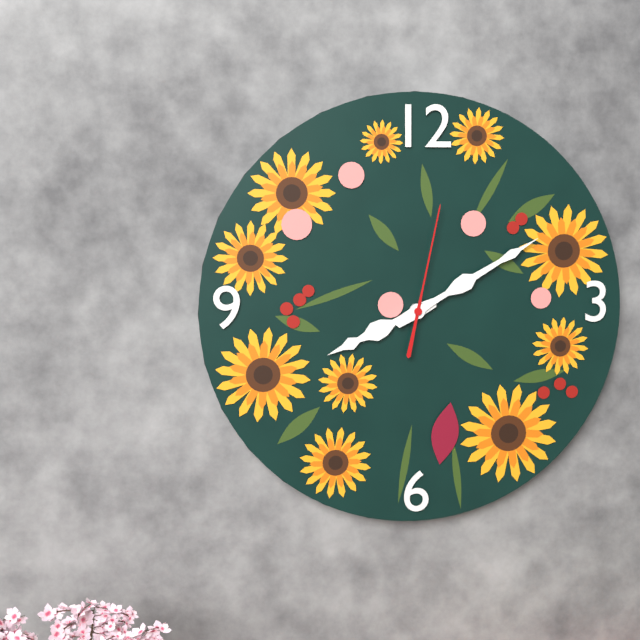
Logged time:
8,10,02
